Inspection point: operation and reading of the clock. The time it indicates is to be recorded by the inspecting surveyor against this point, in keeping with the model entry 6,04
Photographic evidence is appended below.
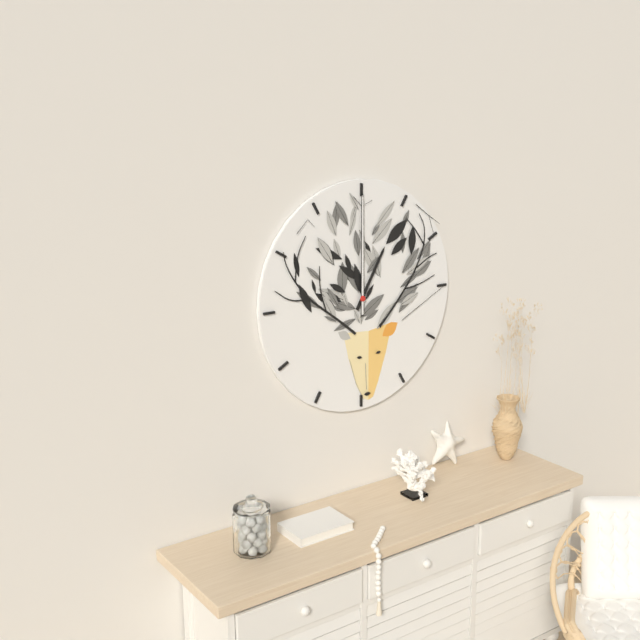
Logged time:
1,00
